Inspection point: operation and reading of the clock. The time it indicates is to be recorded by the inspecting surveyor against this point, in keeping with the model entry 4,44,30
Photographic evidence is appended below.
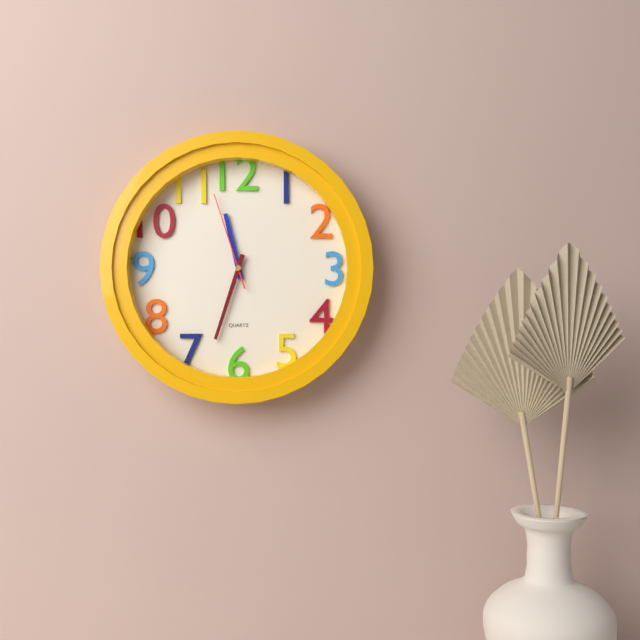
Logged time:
11,33,57
